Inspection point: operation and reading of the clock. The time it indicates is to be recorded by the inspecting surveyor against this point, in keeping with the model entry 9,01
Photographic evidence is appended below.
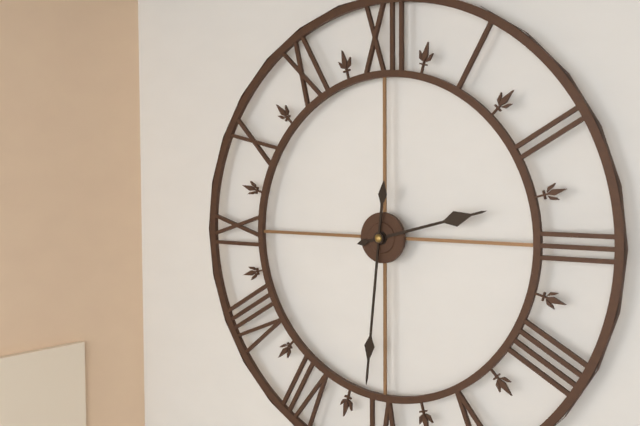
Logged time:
2,31
